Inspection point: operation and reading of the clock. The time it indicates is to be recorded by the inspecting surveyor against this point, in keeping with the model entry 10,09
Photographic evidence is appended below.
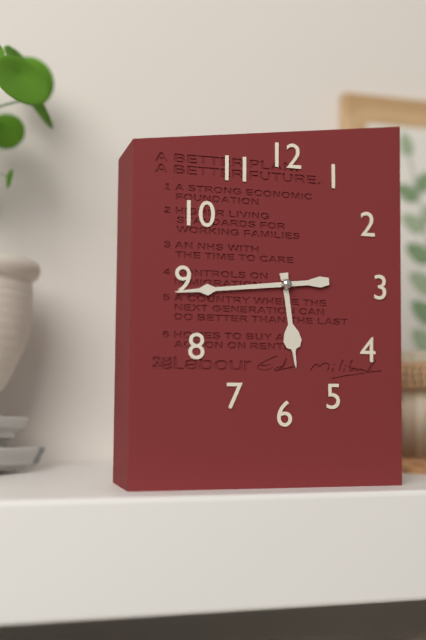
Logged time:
5,44
